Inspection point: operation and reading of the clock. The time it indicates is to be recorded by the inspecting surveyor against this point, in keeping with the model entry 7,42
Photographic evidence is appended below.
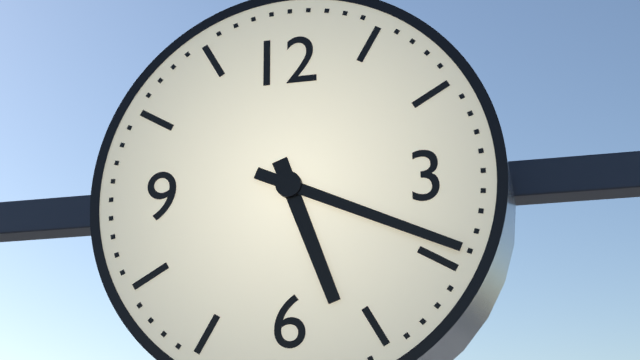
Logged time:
5,19
